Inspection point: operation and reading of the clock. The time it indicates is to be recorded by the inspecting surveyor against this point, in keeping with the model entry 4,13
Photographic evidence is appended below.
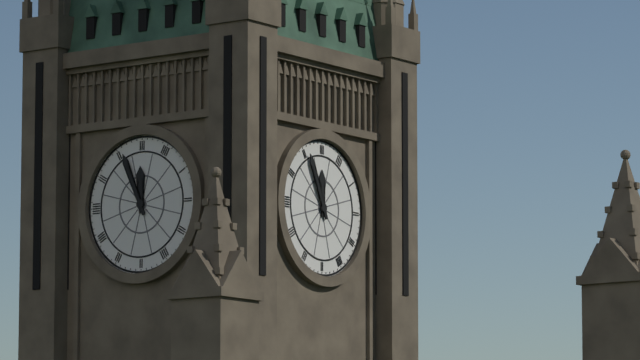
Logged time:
11,56
